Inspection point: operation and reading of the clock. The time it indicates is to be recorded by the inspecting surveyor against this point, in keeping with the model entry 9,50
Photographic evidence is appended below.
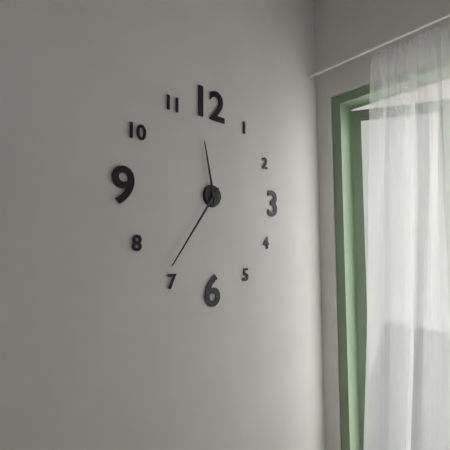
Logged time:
11,36
